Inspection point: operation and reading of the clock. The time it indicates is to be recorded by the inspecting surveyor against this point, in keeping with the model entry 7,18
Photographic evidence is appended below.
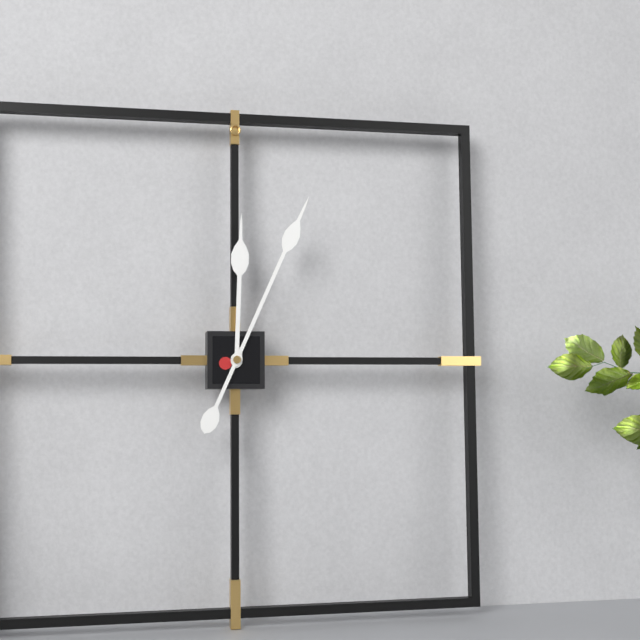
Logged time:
12,04
